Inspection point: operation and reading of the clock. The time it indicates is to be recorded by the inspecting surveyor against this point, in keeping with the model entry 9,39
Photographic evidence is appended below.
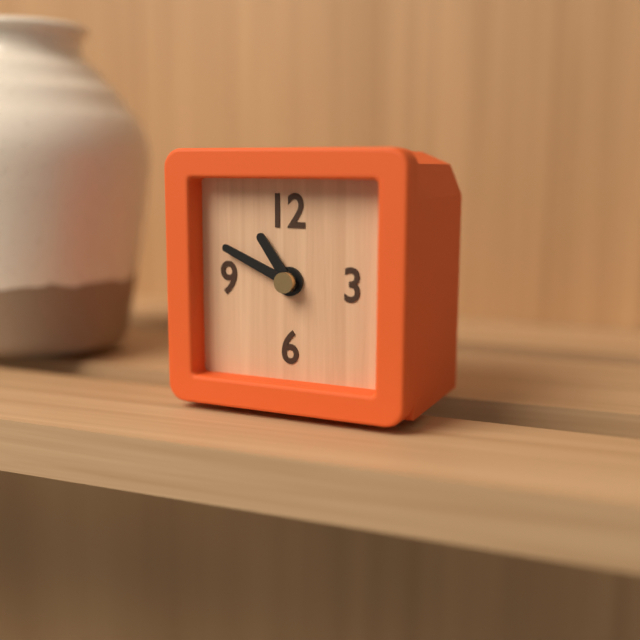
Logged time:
10,49
